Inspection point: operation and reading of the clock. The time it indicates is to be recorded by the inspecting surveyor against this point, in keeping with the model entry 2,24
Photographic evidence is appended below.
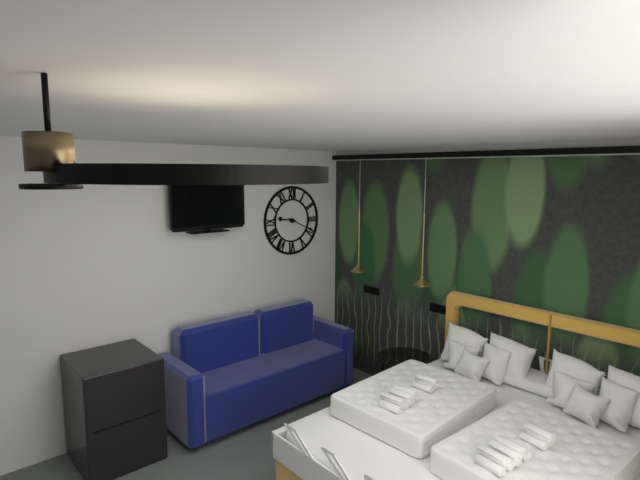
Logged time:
9,19
